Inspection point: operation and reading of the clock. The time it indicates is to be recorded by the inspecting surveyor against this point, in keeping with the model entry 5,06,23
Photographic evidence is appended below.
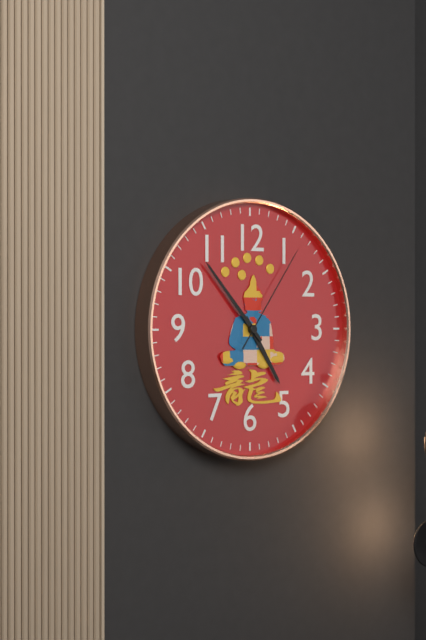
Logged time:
4,53,06
